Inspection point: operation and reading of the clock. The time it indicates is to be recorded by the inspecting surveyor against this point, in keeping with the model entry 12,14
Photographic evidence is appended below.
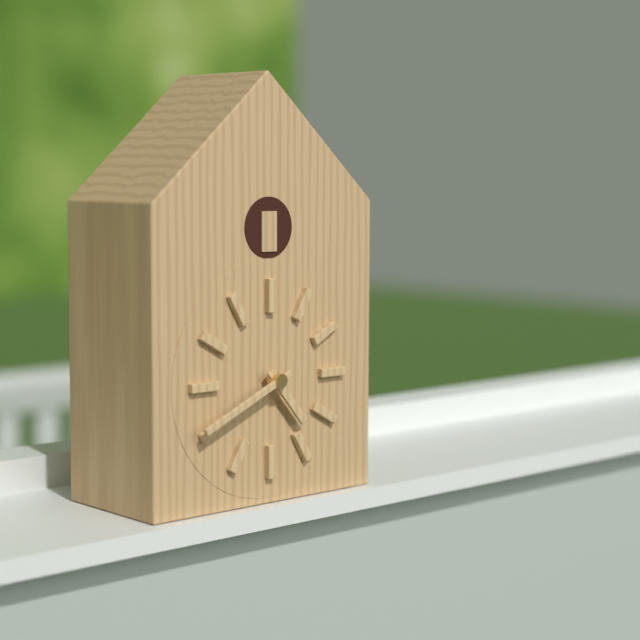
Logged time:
4,41
